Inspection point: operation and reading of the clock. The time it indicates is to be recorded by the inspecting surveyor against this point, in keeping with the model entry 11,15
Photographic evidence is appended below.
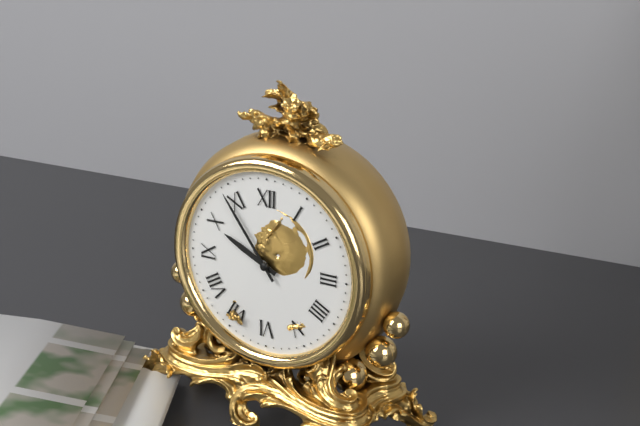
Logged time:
9,54
